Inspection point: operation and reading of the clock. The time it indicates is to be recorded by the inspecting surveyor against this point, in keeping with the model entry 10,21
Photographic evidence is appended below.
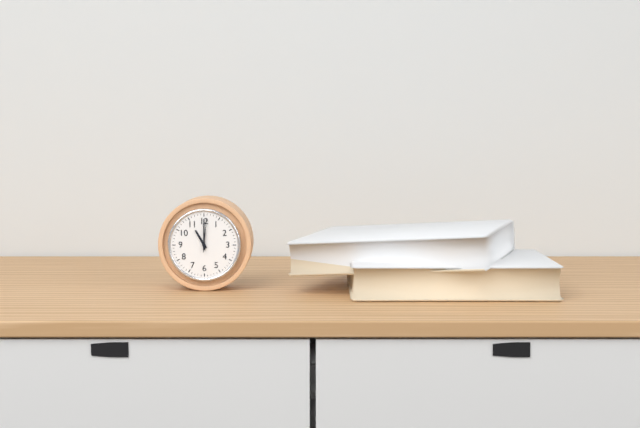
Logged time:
11,00
